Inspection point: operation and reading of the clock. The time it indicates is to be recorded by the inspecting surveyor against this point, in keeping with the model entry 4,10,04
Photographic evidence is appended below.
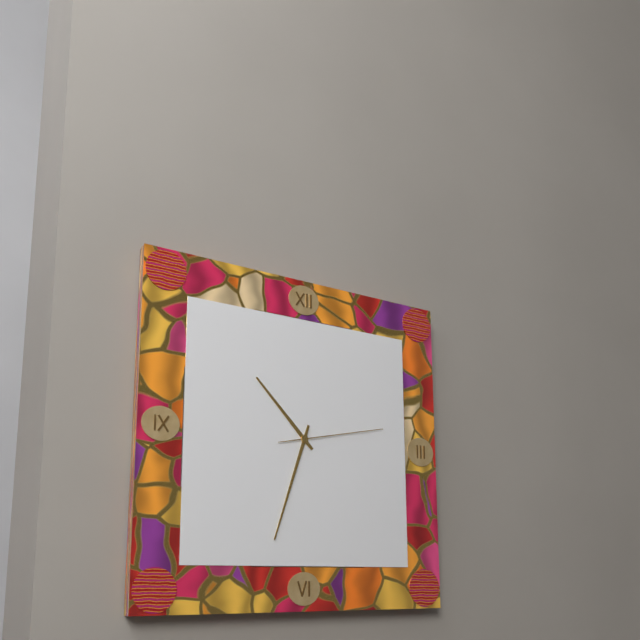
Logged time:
10,33,13
